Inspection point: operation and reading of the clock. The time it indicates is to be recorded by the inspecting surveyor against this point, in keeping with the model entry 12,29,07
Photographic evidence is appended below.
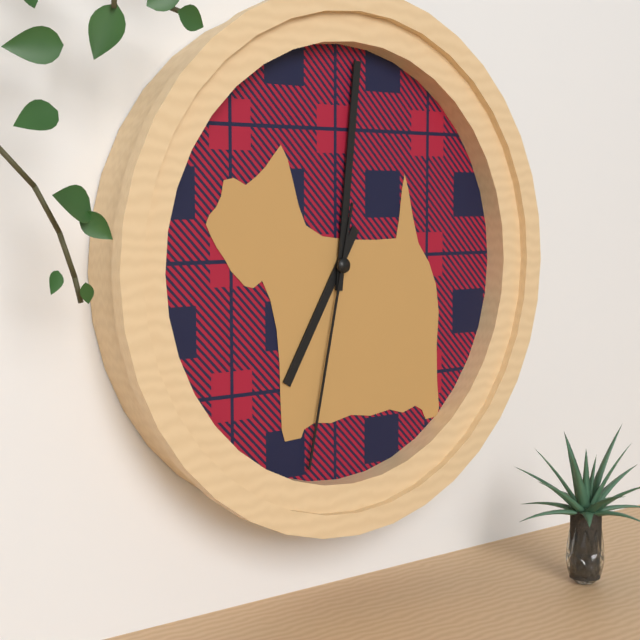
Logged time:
7,01,32
